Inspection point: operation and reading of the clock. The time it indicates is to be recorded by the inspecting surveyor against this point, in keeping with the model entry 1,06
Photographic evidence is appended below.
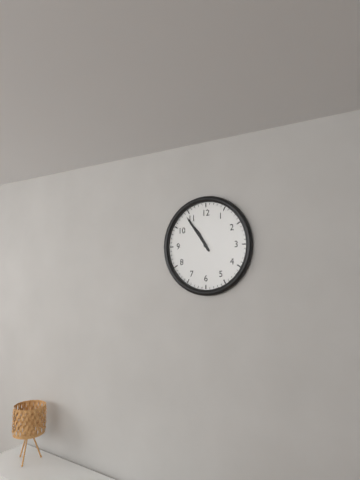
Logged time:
10,54
